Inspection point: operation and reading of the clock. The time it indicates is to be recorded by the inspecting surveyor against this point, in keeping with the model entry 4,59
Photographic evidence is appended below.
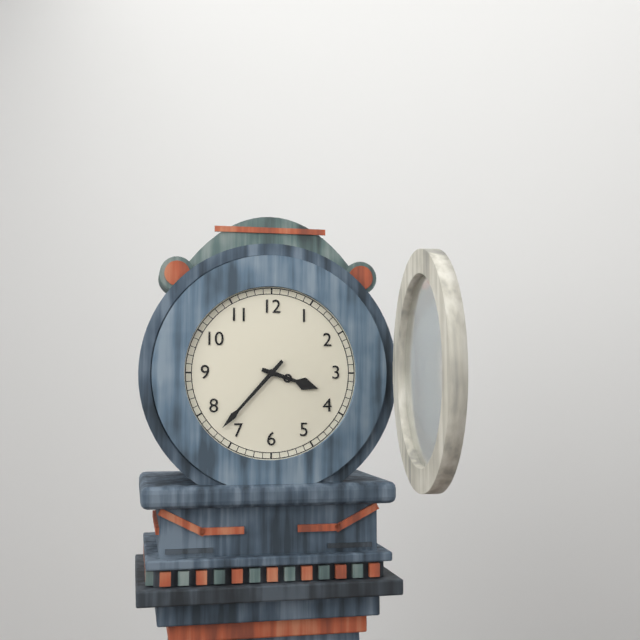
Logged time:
3,37
